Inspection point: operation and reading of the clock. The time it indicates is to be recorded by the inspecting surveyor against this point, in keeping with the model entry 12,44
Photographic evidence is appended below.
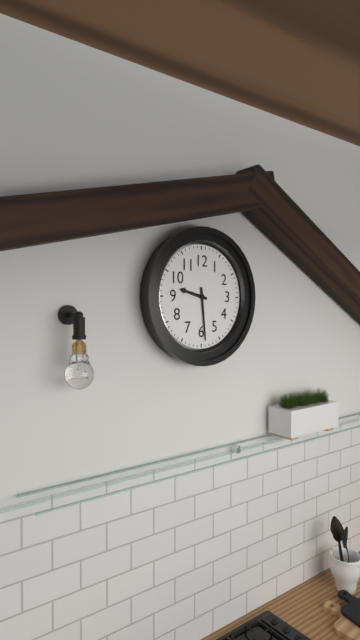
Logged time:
9,29
